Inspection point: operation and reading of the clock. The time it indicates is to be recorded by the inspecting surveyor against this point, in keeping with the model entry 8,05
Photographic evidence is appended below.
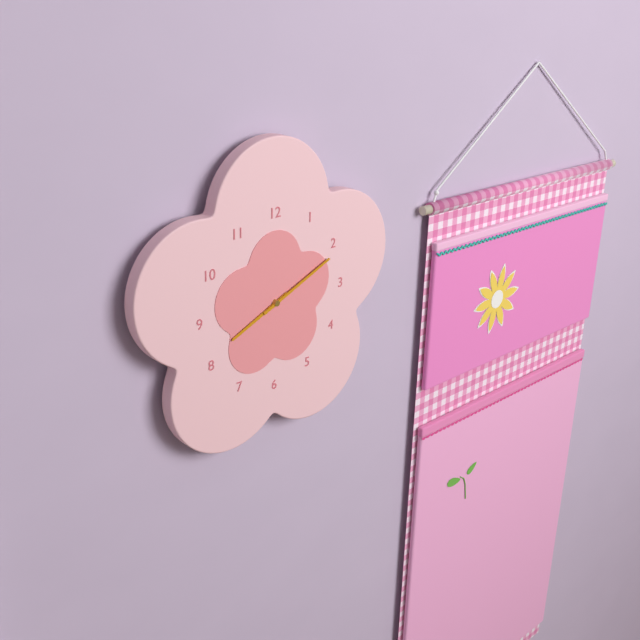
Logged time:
8,11
